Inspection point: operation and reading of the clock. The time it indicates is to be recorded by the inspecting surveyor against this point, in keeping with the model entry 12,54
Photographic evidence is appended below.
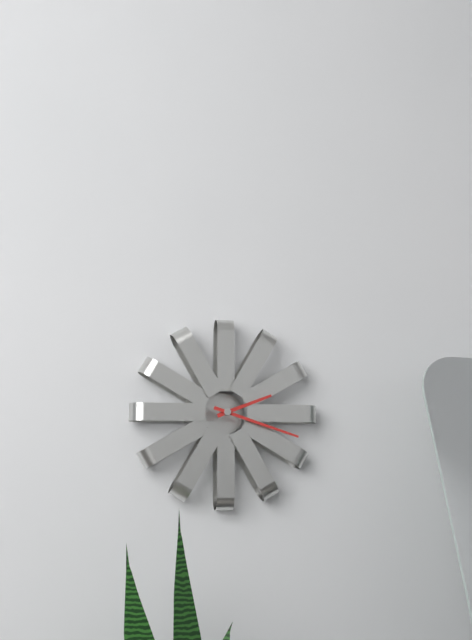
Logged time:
2,18
